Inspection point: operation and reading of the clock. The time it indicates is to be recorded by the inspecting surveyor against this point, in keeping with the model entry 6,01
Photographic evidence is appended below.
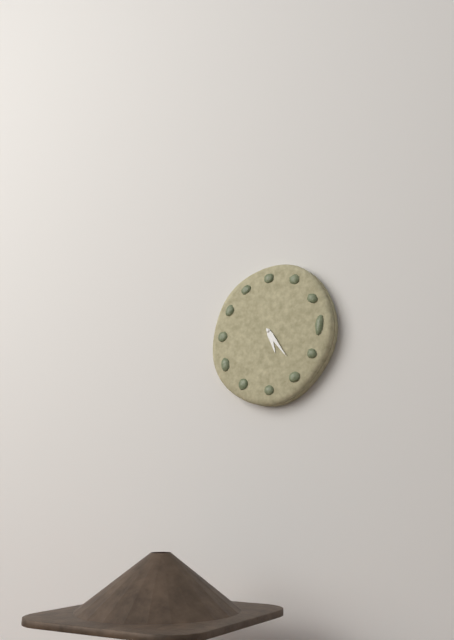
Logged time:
5,24
